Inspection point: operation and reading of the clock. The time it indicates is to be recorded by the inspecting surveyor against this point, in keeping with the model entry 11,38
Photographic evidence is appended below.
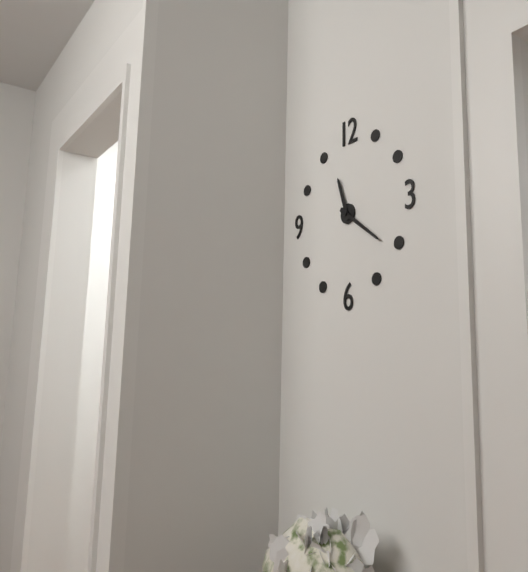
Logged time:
11,21
